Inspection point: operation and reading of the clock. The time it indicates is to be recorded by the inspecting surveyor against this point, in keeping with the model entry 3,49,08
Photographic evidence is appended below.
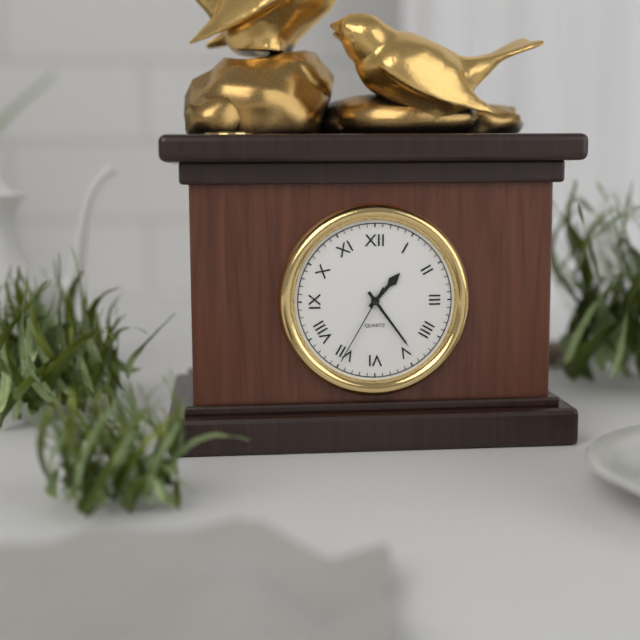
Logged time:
1,24,35
